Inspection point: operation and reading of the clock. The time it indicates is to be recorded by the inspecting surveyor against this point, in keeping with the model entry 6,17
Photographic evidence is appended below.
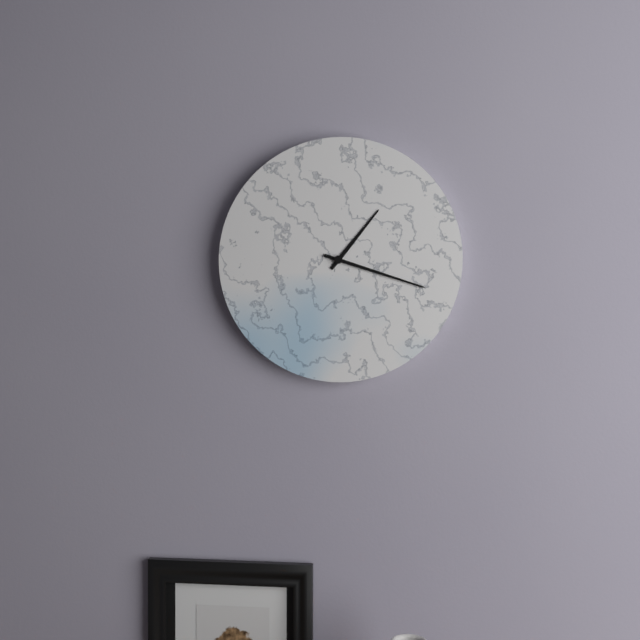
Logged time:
1,18
